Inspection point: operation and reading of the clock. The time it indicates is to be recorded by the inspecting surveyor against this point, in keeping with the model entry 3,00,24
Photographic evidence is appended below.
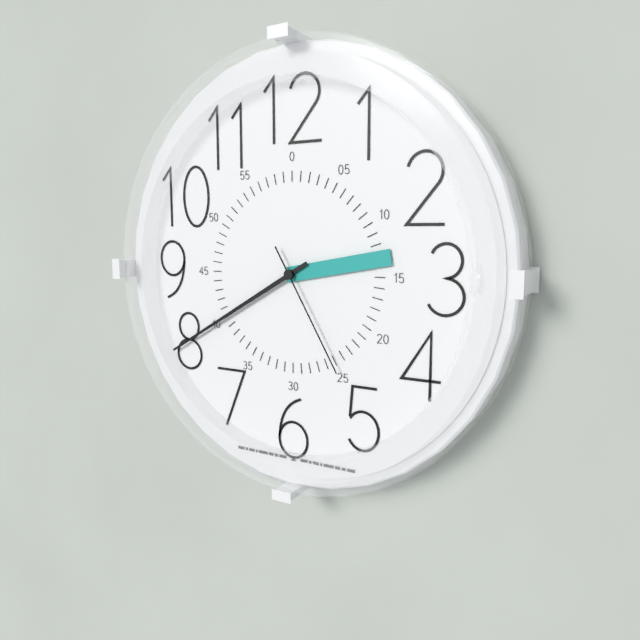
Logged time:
2,40,25
